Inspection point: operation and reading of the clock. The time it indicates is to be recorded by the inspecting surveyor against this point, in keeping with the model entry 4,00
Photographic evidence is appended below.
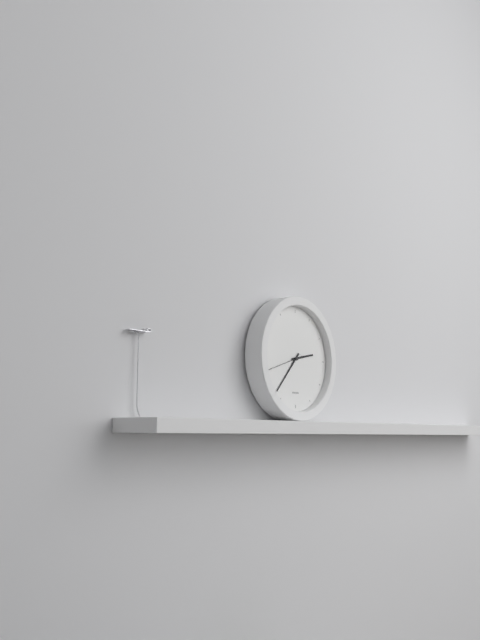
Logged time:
2,37
